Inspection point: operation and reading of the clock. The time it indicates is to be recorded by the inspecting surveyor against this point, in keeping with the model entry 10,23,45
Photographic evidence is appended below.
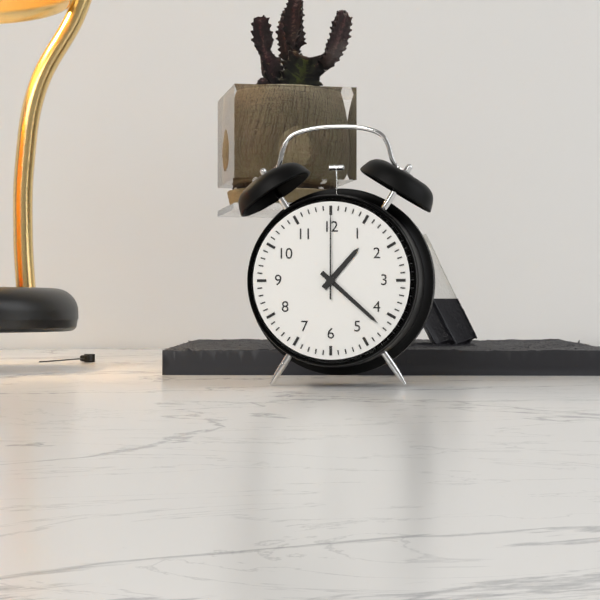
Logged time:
1,22,00
